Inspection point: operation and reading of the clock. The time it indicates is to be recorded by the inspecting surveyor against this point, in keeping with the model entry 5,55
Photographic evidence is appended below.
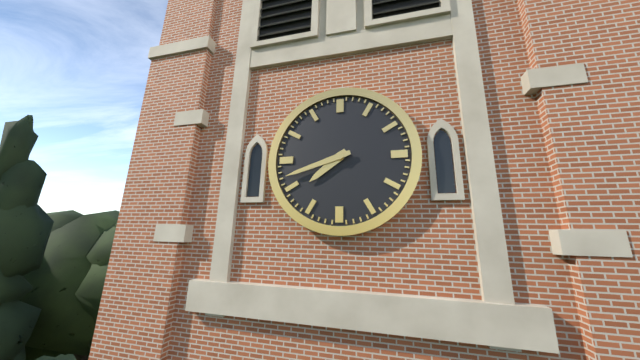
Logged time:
7,42
